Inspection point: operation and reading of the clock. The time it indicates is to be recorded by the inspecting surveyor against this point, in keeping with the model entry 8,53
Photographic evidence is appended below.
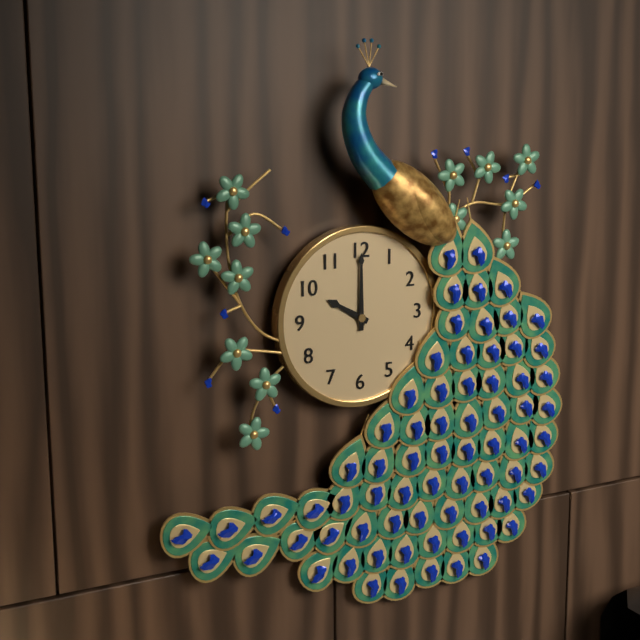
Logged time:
10,00
